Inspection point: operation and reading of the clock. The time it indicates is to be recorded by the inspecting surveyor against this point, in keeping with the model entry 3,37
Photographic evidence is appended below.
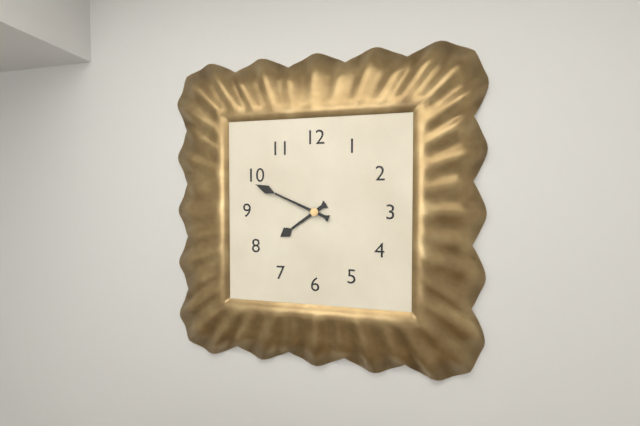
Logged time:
7,49
